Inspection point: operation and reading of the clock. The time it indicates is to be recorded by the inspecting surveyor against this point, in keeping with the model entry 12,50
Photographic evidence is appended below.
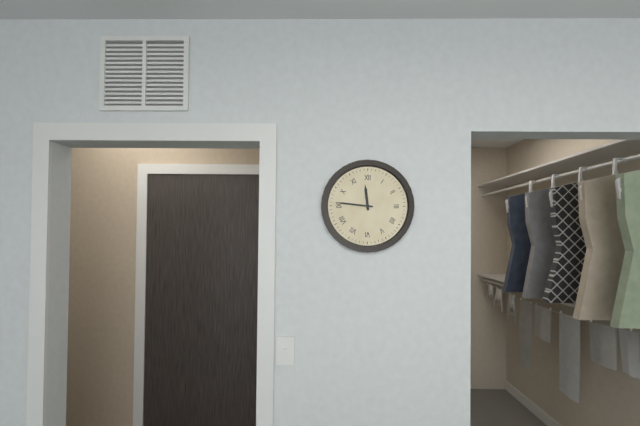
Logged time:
11,46
